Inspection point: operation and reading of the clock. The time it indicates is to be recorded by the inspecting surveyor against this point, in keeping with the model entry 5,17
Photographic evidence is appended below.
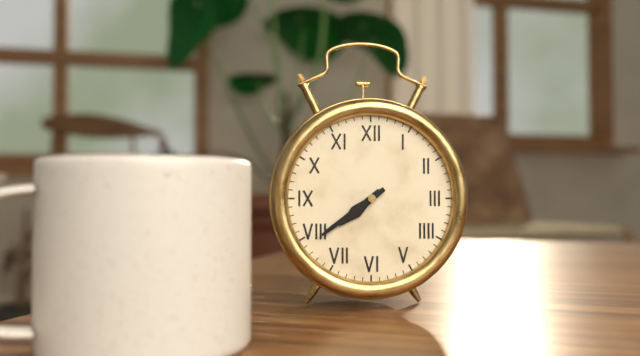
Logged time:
7,39
